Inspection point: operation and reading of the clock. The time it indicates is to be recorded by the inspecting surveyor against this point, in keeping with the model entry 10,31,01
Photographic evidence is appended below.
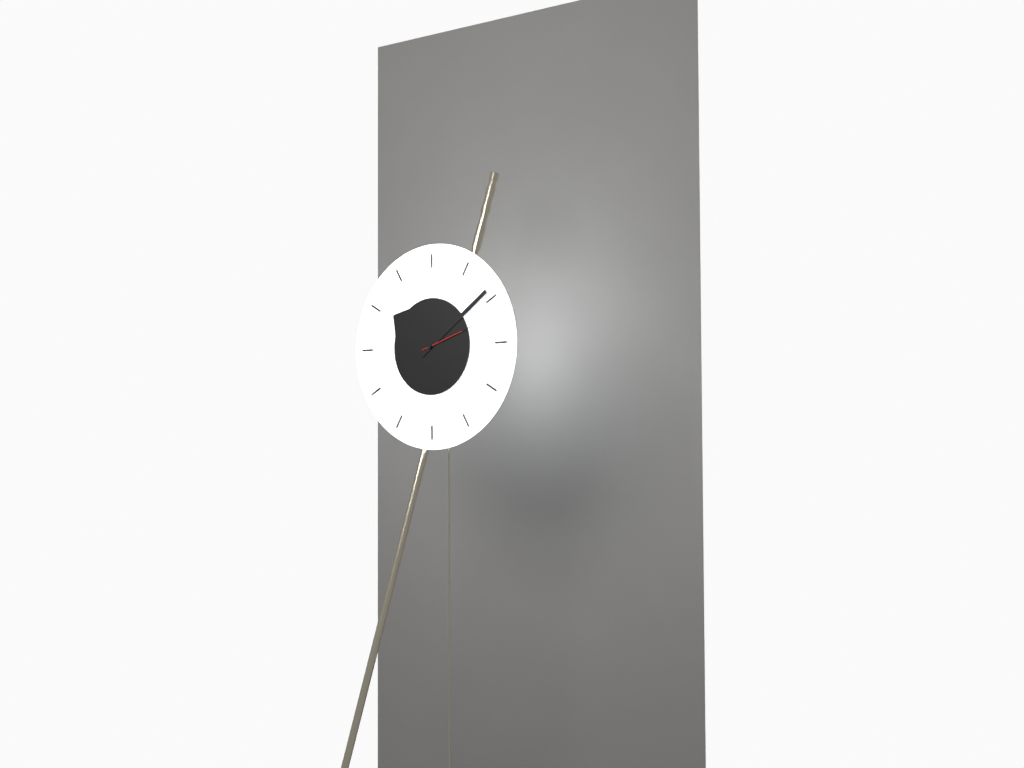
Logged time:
10,09,12
